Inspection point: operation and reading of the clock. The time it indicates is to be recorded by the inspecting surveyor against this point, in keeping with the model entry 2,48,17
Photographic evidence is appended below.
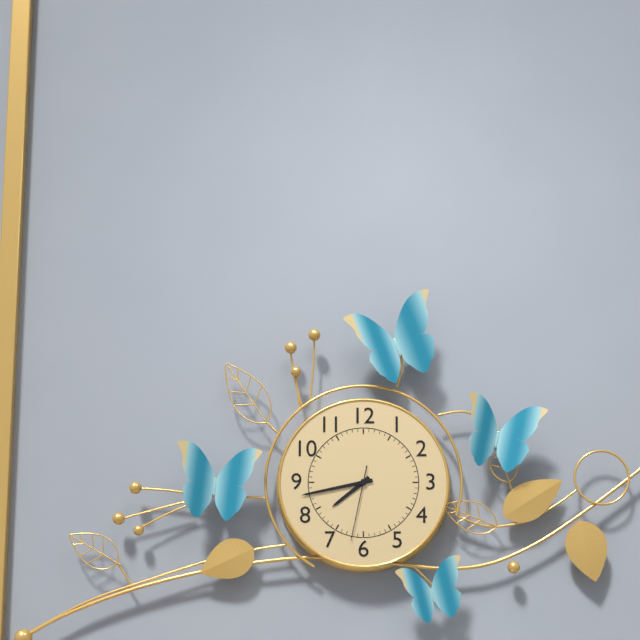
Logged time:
7,43,32
